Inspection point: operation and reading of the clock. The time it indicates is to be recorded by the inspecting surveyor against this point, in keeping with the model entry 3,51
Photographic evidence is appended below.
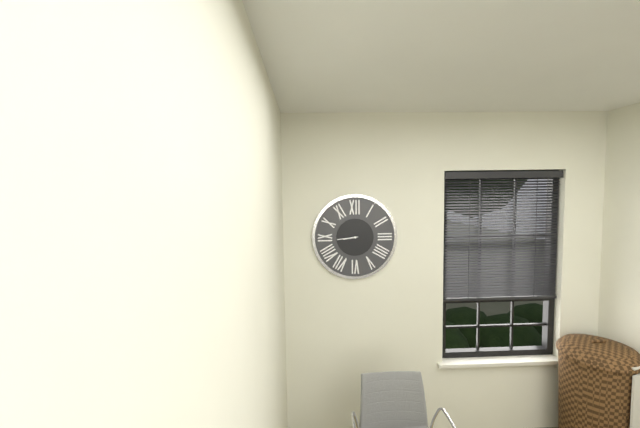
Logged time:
8,44
